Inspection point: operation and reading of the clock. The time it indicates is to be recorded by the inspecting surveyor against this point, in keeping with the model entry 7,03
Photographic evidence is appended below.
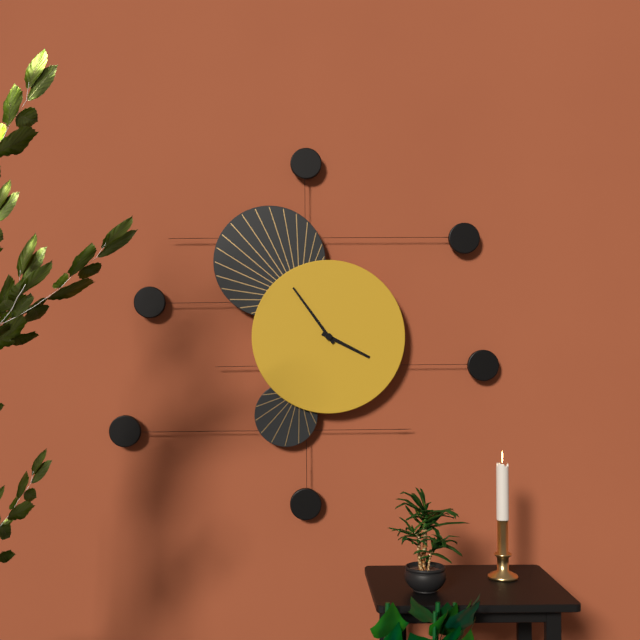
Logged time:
3,54
